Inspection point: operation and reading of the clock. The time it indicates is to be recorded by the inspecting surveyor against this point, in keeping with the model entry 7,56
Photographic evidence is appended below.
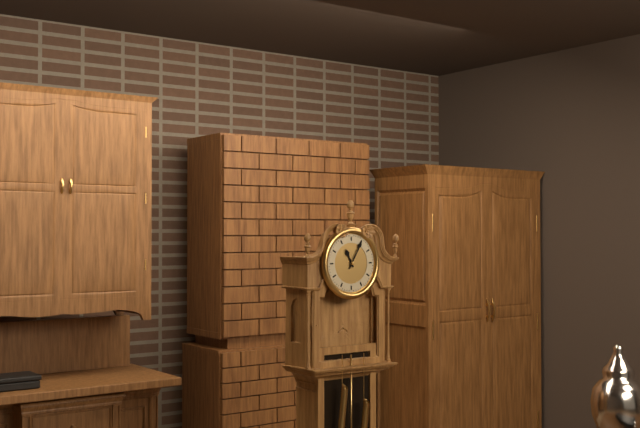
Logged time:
11,05
